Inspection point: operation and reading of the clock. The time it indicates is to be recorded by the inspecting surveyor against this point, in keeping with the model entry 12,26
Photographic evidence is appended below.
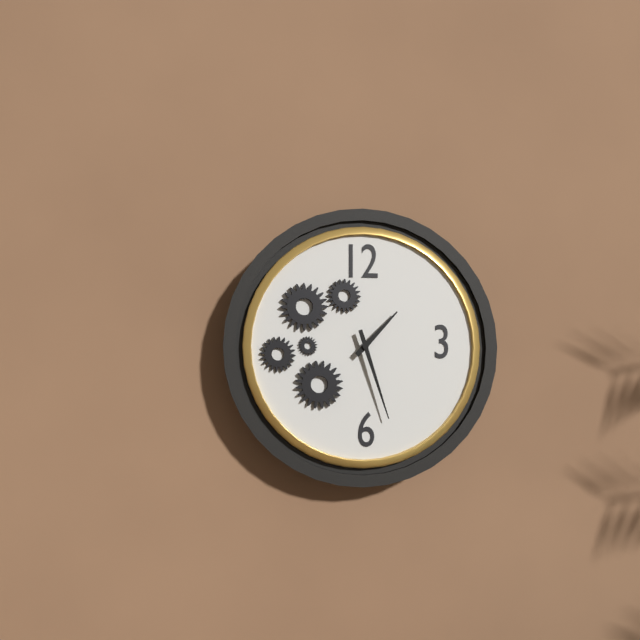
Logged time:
1,27
